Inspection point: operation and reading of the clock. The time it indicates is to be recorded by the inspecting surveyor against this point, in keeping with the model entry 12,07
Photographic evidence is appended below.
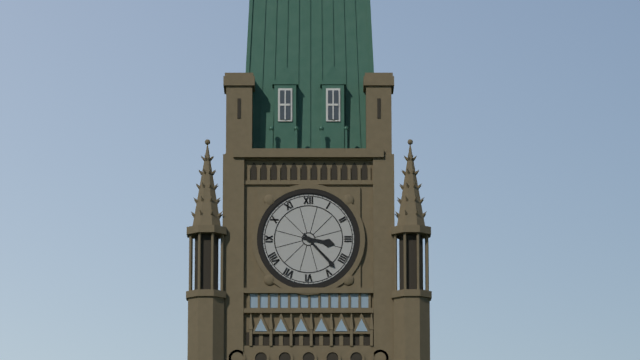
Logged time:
3,23
